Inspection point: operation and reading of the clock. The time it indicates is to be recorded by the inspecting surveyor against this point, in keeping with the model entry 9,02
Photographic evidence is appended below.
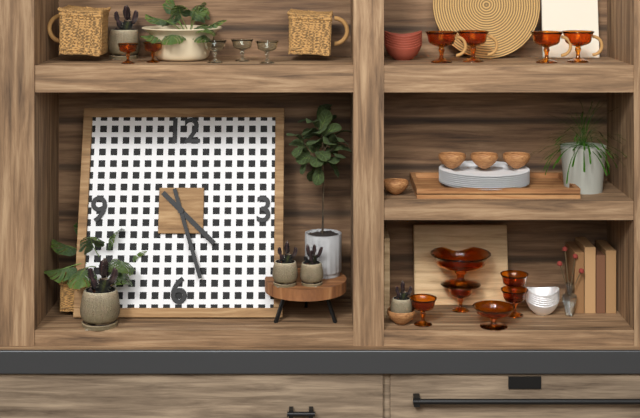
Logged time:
4,27
